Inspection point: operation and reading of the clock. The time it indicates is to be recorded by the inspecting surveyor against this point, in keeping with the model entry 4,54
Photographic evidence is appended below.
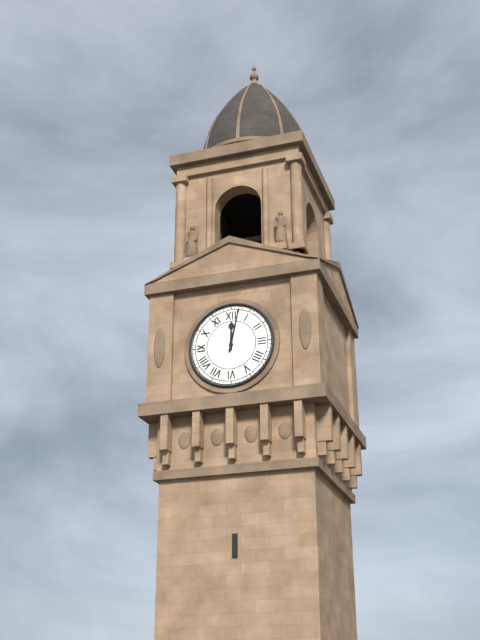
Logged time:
12,02
